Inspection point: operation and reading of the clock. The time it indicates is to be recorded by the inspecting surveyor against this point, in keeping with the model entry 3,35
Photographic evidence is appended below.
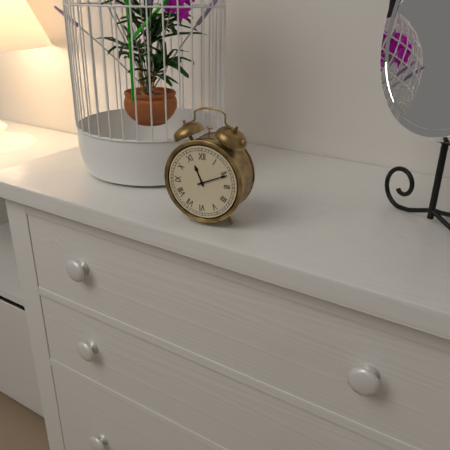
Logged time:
11,11
